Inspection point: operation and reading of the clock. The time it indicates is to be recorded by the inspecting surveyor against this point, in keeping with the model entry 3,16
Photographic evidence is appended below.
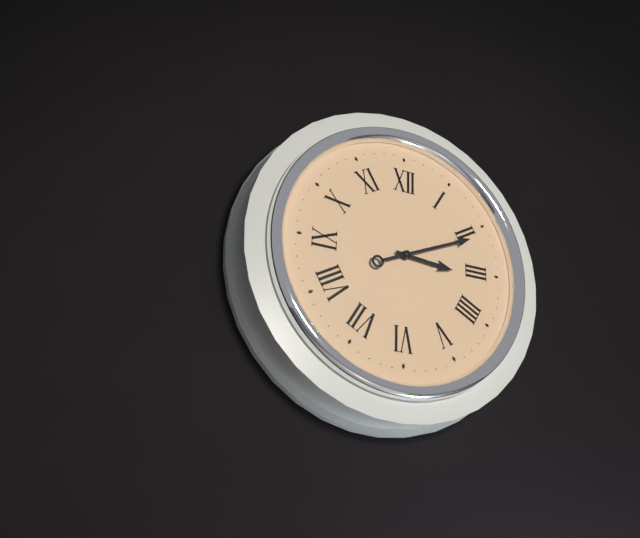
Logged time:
3,11
